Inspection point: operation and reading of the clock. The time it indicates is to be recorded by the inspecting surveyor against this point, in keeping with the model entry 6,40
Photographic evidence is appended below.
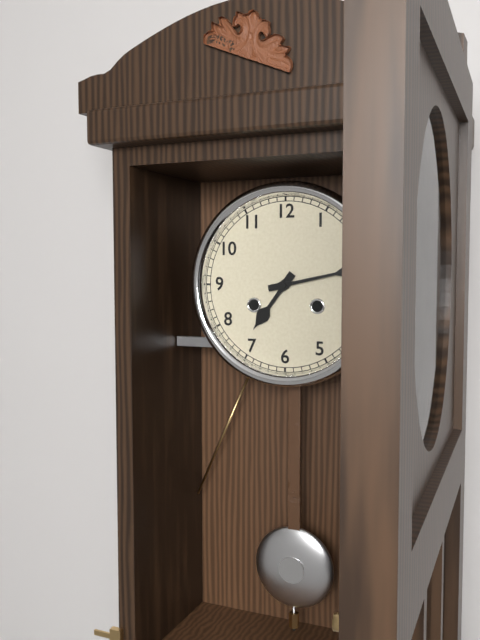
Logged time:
7,13
